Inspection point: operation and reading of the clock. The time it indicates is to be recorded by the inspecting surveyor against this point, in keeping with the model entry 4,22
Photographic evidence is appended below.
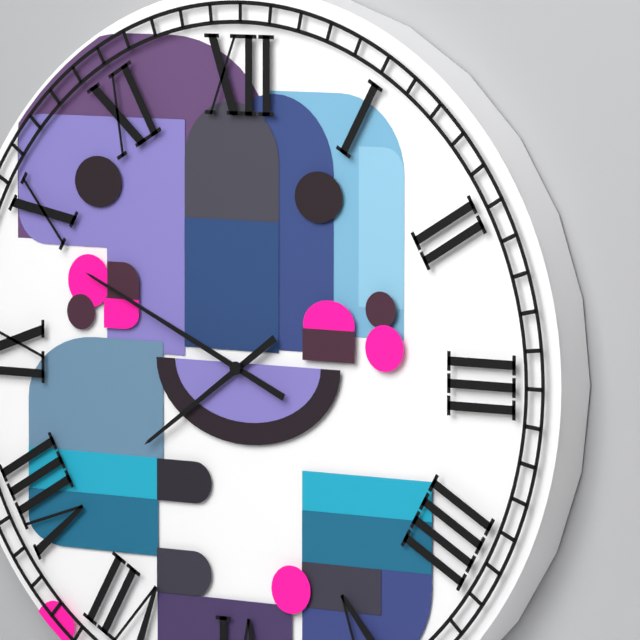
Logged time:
7,49
